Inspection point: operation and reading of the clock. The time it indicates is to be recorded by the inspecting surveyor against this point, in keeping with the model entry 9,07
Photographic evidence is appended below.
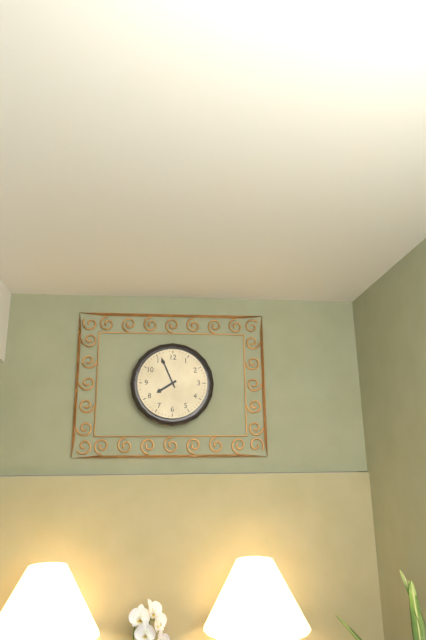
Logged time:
7,56
